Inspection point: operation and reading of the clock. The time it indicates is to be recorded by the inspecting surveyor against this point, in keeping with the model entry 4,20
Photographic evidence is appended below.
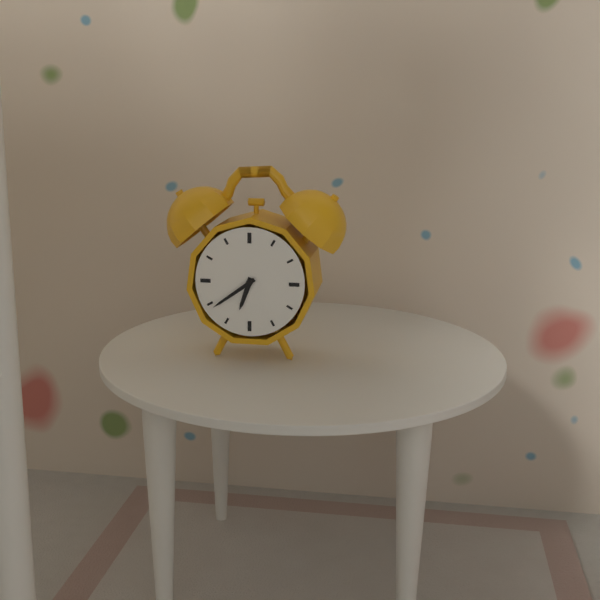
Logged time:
6,39
